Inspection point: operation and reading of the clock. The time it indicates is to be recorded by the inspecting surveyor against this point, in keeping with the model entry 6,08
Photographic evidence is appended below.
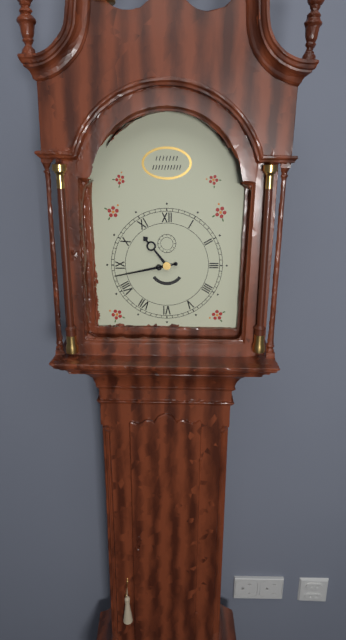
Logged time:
10,43
